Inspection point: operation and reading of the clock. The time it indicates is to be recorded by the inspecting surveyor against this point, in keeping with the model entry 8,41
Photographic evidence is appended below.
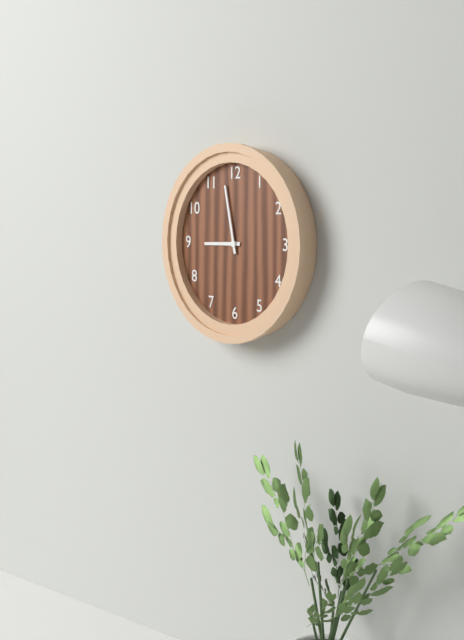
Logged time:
8,58
